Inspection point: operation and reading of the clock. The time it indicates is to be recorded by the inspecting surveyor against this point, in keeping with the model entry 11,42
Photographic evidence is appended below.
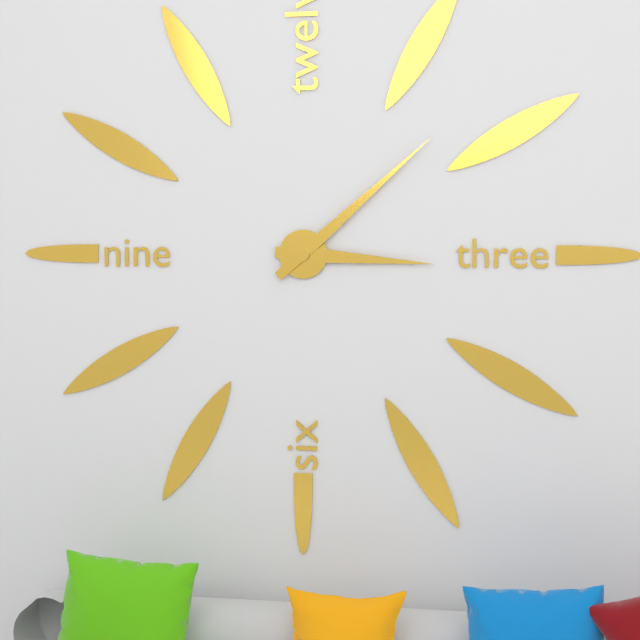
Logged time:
3,08
